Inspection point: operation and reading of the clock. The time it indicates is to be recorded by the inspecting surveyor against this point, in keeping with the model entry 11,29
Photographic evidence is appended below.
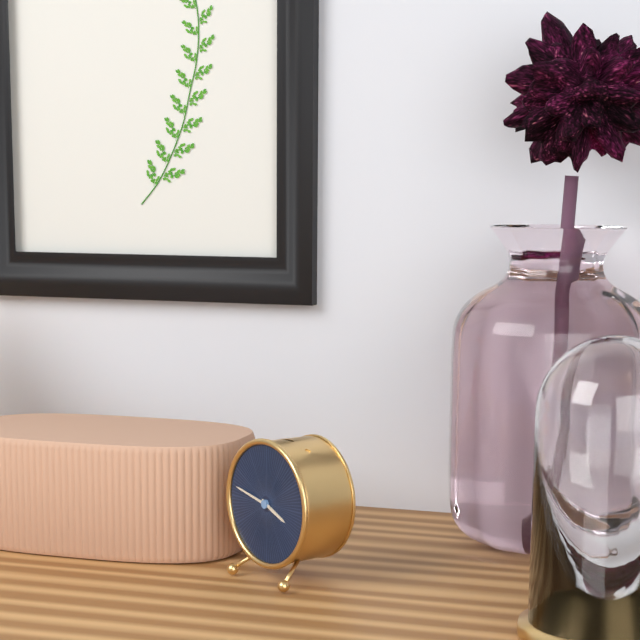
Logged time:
3,47
